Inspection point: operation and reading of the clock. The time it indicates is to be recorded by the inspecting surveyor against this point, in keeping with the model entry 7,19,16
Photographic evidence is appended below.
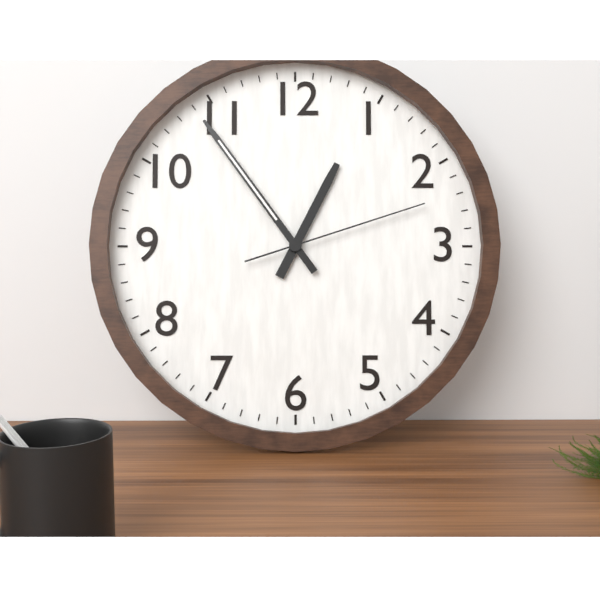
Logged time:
12,54,12
